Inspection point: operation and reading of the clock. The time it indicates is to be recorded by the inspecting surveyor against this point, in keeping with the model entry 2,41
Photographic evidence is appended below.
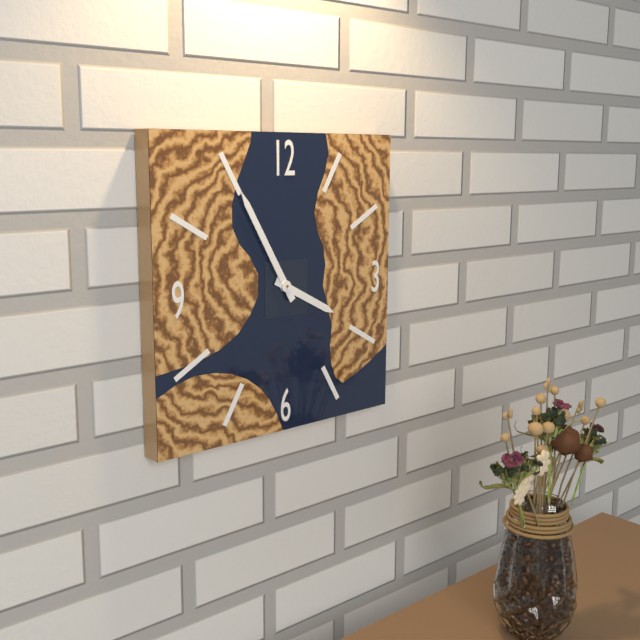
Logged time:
3,55
